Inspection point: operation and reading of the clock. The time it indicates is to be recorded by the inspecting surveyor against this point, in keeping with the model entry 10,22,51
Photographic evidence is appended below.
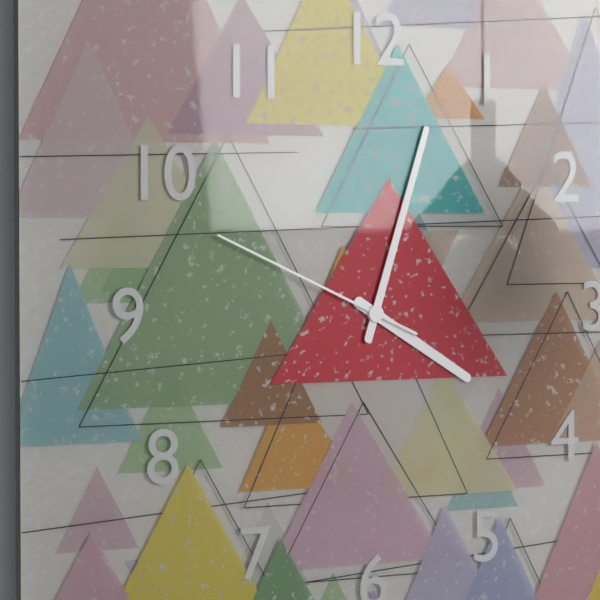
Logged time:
4,03,49
